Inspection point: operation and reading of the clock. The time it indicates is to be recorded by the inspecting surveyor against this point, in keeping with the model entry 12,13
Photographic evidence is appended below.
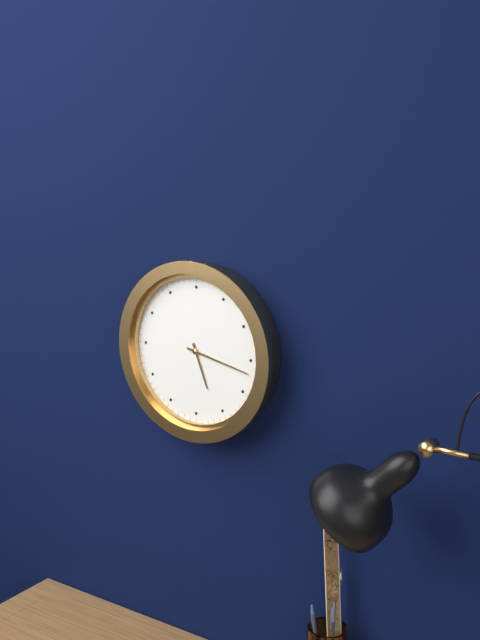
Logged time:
5,17
